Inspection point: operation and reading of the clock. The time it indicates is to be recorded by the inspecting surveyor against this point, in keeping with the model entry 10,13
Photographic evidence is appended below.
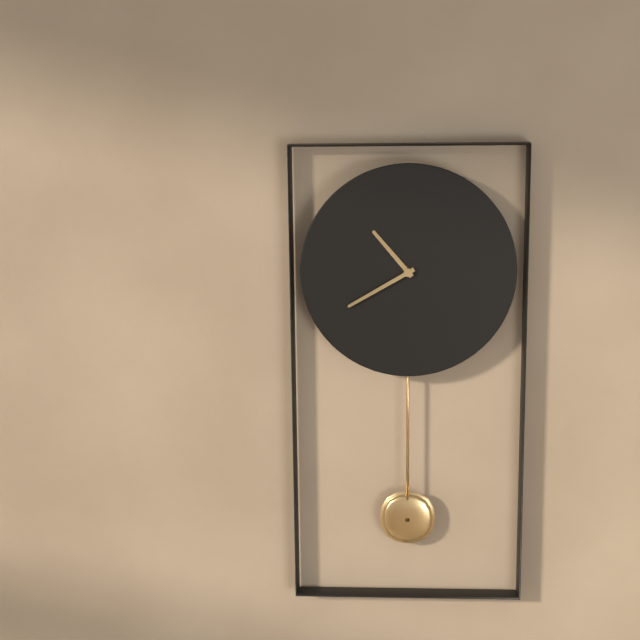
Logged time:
10,40
